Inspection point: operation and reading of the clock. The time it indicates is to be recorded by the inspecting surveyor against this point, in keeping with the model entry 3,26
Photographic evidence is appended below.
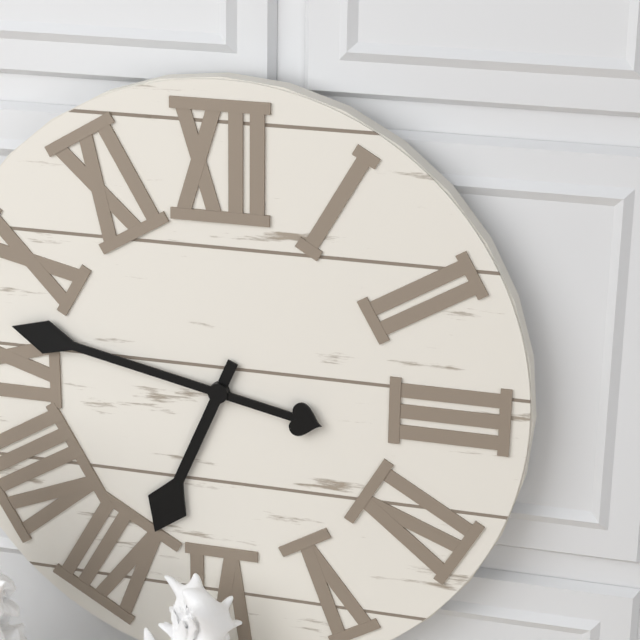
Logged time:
6,47
